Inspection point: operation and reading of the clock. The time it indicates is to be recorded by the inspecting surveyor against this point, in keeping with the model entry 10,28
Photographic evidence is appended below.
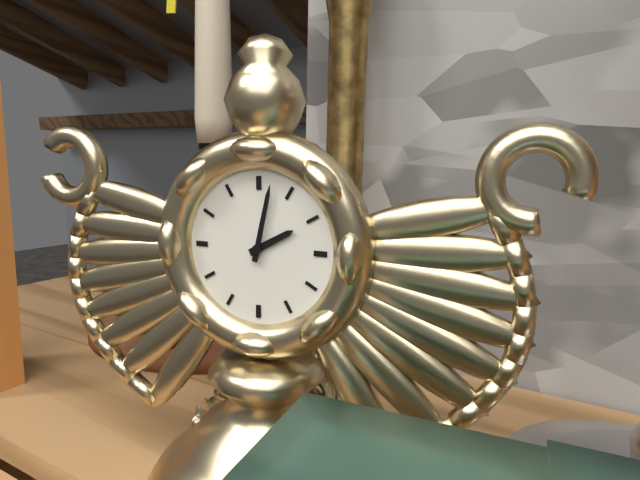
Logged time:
2,02
